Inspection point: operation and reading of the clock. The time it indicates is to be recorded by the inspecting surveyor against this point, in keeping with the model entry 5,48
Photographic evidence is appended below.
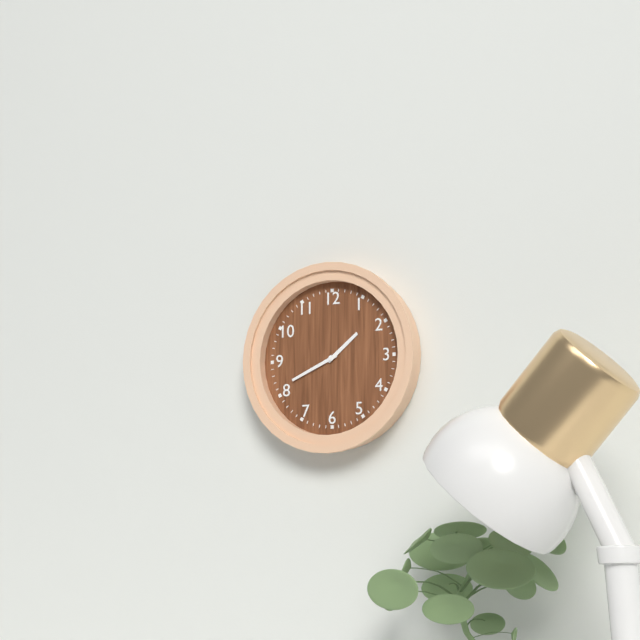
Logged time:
1,41
